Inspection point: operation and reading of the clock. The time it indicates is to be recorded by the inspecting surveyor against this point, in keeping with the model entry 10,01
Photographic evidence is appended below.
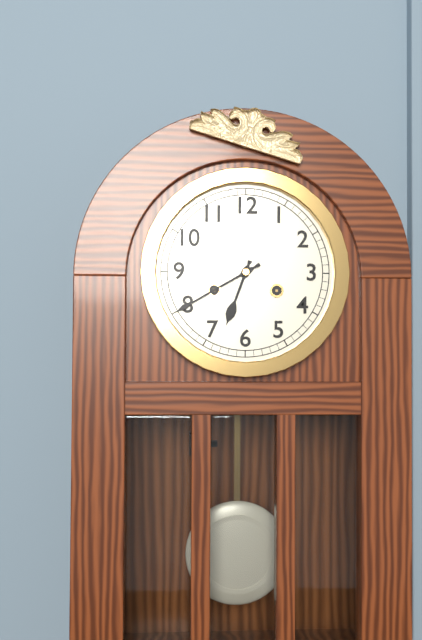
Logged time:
6,40
